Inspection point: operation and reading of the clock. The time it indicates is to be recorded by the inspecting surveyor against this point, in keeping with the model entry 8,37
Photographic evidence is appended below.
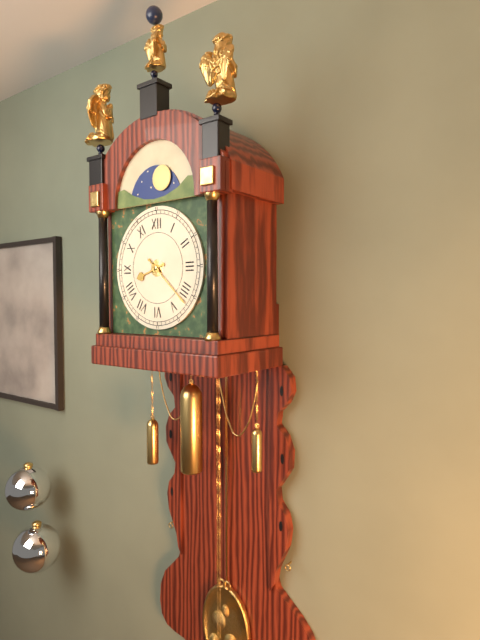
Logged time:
8,22
